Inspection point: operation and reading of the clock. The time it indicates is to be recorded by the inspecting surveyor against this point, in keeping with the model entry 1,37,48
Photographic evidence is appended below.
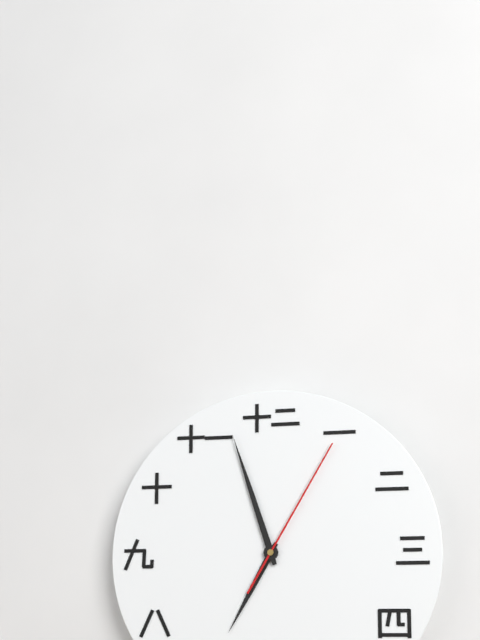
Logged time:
6,57,05
